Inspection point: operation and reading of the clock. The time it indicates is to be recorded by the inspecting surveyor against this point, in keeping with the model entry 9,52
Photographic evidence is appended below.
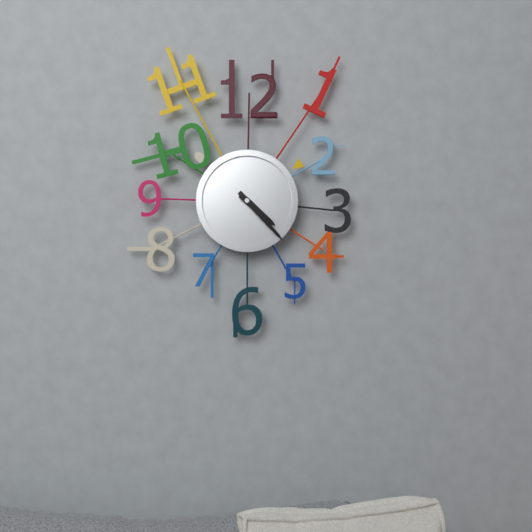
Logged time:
4,23
